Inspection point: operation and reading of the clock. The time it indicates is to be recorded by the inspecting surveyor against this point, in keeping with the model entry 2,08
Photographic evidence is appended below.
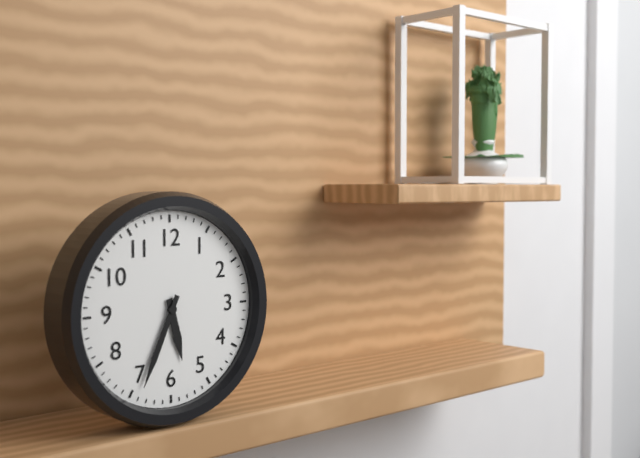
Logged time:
5,34
